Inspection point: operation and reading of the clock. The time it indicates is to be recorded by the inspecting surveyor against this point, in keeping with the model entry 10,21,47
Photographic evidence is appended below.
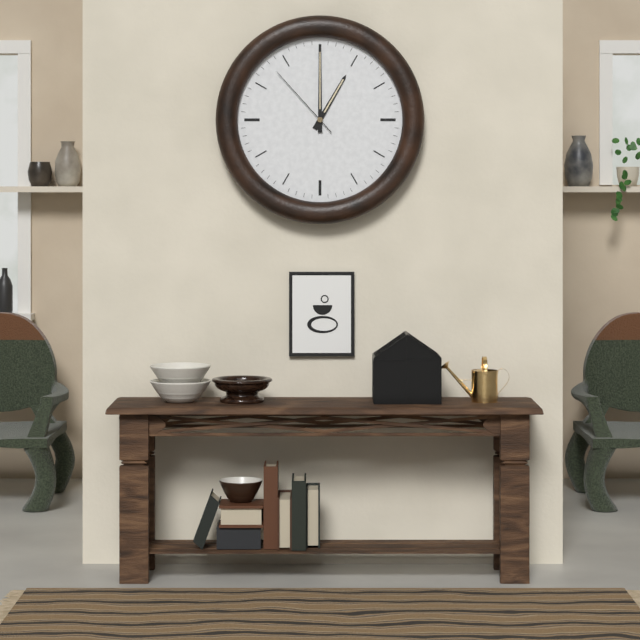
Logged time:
1,00,53
